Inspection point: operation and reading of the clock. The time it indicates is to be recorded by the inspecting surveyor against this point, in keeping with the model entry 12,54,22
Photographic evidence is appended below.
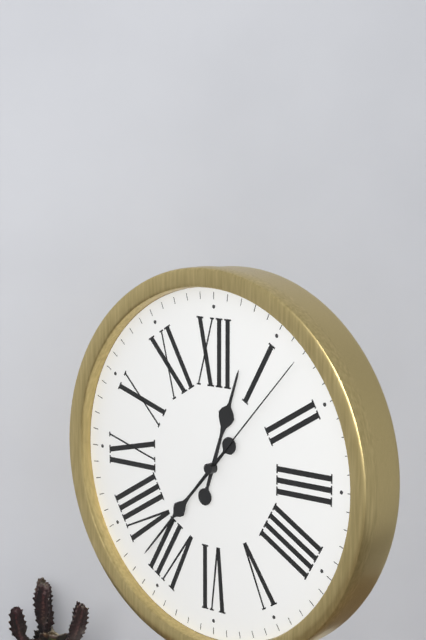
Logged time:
12,37,07
